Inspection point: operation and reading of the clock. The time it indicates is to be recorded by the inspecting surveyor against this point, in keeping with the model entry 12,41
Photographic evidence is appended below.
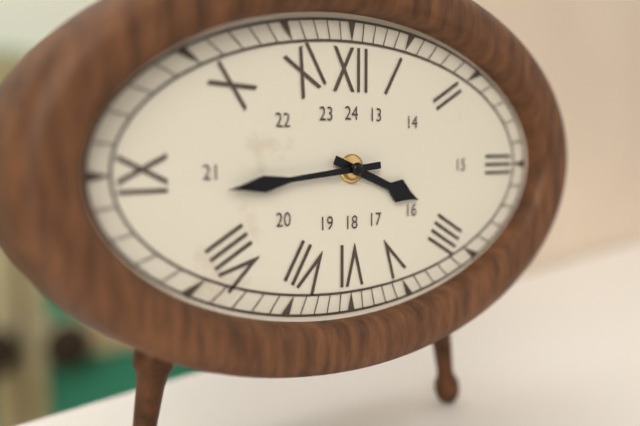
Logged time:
3,44
